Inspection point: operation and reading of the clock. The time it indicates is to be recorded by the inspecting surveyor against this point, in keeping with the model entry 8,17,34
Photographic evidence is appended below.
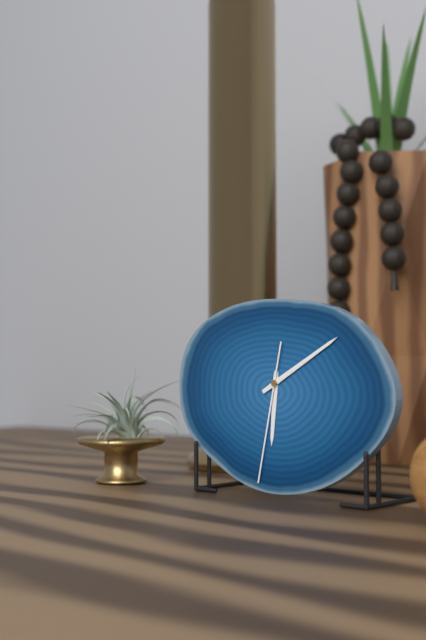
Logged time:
6,10,32
